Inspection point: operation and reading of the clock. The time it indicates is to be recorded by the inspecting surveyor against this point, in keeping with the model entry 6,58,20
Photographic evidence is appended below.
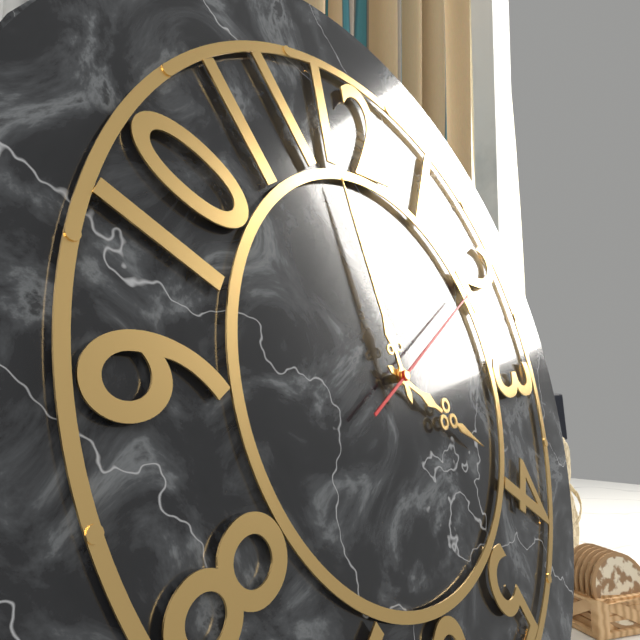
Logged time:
3,58,10
